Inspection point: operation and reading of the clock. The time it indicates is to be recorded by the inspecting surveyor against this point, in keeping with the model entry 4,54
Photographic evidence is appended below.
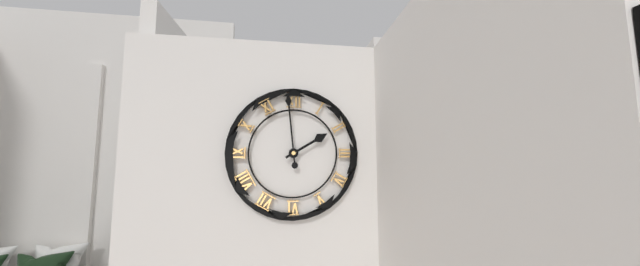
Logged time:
1,59
